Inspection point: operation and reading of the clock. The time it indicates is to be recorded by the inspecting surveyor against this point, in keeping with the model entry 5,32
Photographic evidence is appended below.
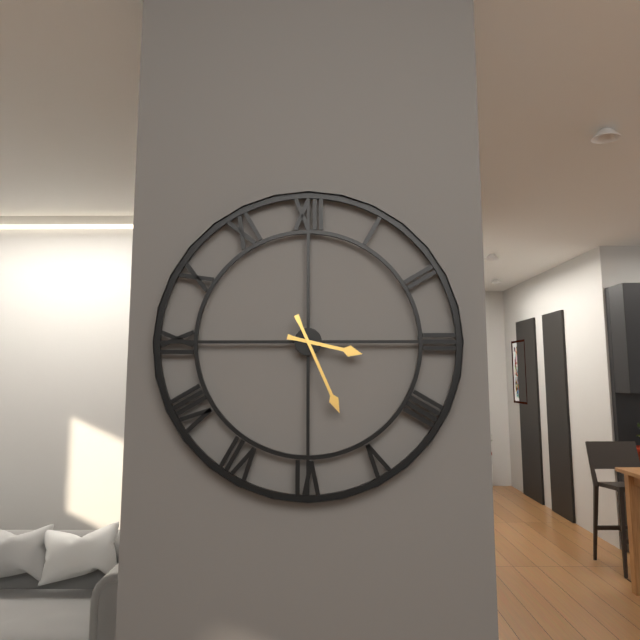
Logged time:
3,26
